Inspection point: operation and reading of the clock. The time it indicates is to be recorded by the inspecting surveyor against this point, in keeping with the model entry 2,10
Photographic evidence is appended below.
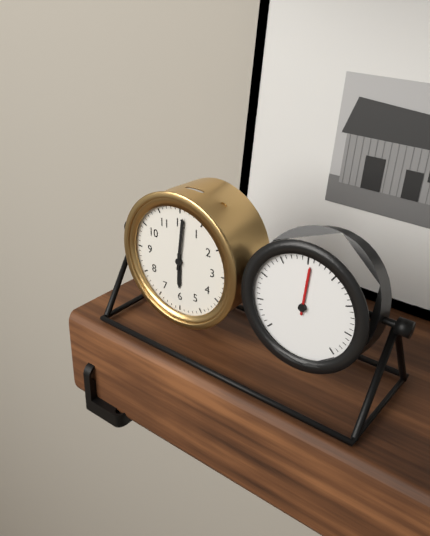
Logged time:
6,01
